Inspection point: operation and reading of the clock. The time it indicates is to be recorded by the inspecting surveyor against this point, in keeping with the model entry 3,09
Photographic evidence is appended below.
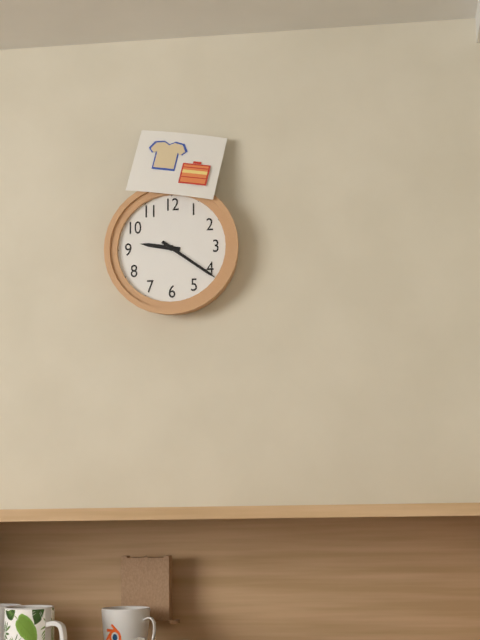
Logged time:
9,21
